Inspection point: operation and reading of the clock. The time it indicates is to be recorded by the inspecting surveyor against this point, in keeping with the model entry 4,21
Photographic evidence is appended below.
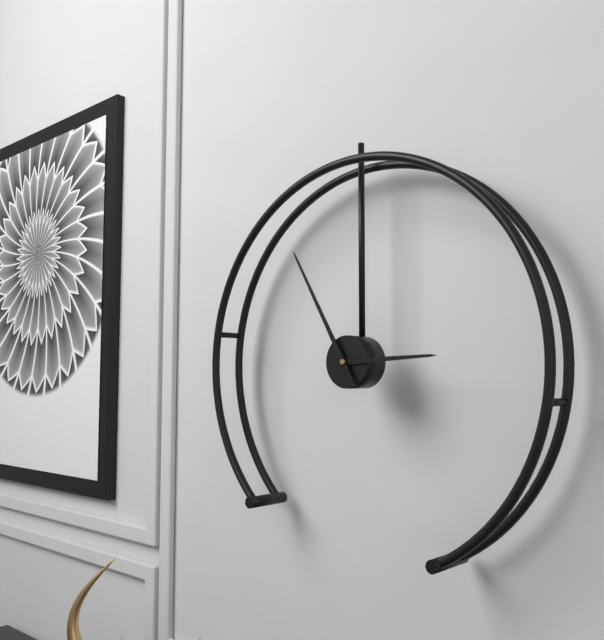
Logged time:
2,55
